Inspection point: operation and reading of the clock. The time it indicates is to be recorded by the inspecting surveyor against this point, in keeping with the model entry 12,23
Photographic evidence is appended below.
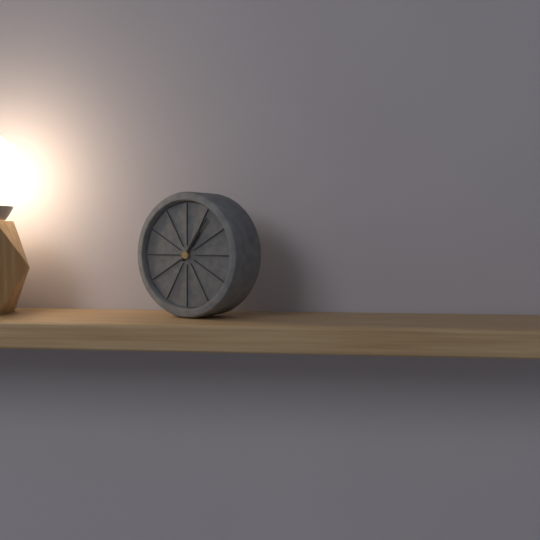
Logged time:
1,06
